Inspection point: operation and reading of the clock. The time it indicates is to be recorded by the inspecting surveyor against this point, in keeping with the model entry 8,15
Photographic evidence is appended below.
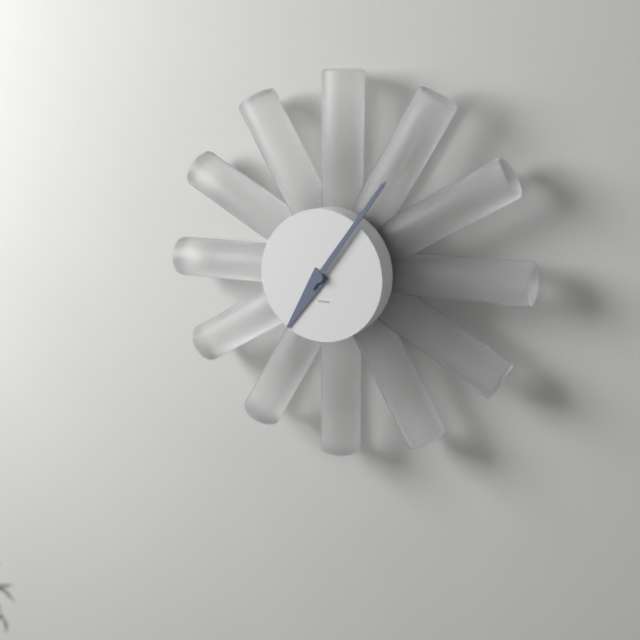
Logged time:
7,06
